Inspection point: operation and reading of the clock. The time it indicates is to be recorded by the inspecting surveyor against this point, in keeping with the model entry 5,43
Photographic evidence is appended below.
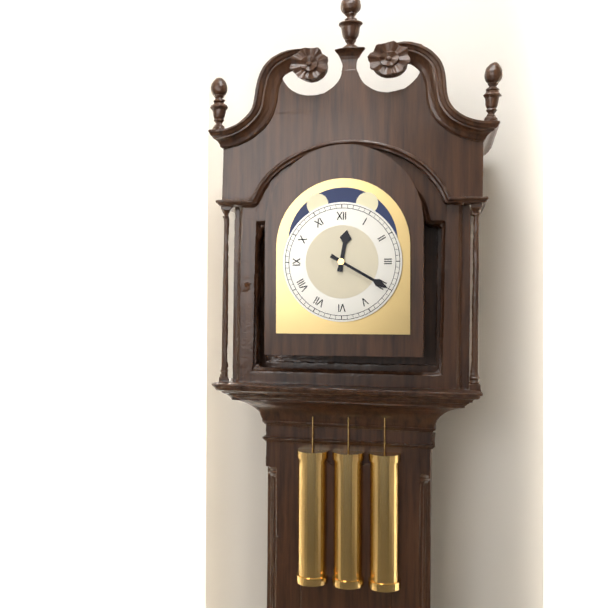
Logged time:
12,20
